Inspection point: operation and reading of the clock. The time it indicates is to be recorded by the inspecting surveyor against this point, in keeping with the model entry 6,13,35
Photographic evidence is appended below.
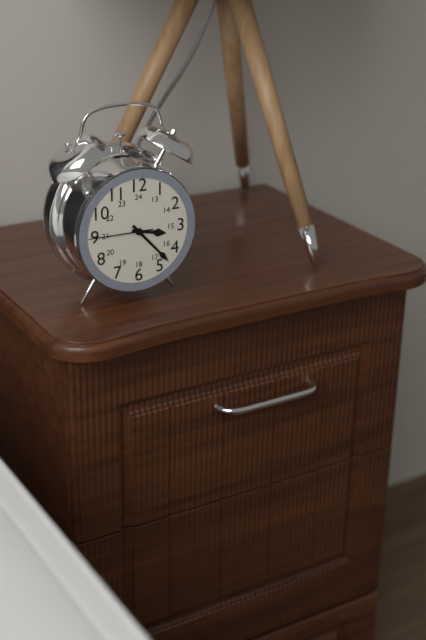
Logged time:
3,23,45
